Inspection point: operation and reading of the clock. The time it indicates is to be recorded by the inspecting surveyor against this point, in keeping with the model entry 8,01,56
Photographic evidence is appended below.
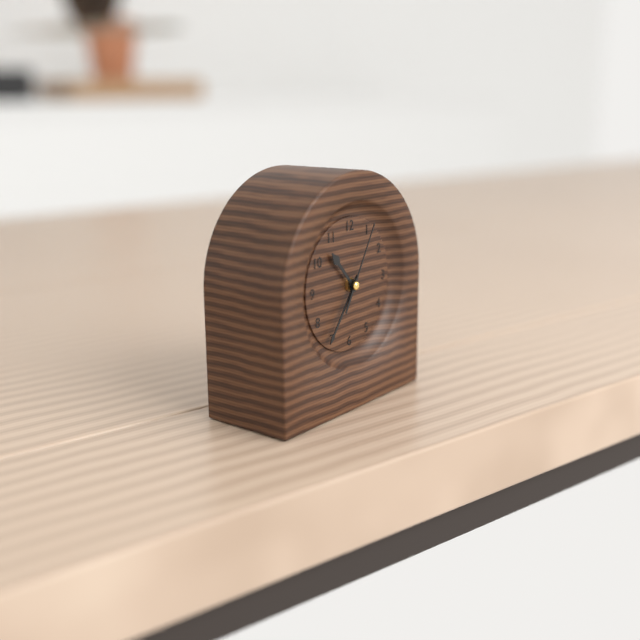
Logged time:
10,36,05
